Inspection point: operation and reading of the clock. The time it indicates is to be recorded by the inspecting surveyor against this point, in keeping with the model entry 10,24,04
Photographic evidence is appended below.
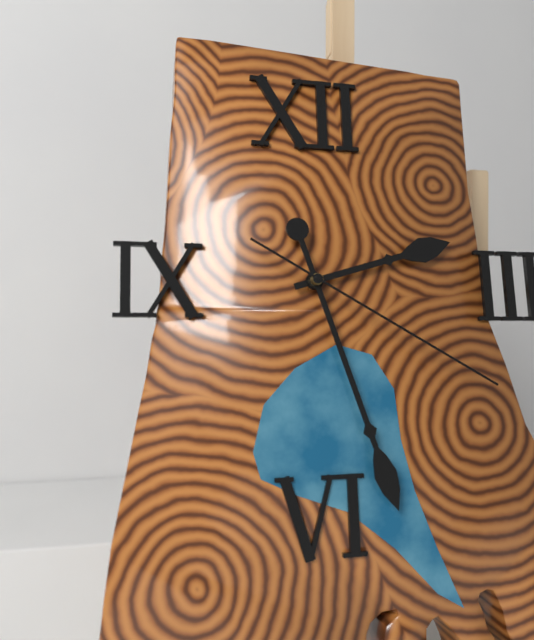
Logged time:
2,27,20
